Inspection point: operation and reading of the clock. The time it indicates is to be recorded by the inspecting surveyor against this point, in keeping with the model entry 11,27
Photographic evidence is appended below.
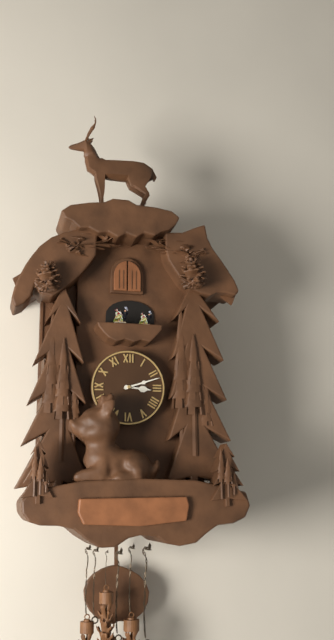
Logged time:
3,12
